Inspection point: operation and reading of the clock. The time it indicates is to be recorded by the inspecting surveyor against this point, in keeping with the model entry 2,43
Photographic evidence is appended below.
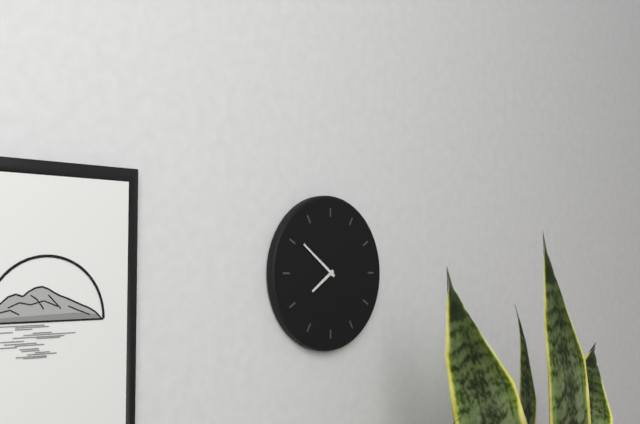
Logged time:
7,51
